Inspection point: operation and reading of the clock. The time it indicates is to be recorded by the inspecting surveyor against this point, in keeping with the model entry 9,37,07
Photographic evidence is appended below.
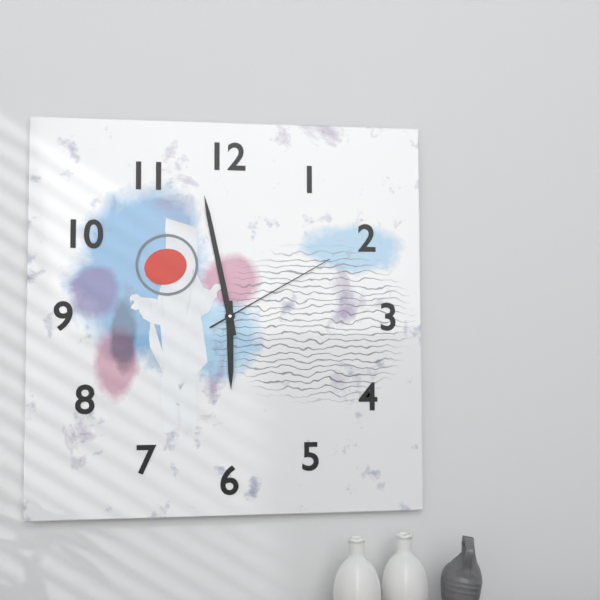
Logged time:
5,58,10
